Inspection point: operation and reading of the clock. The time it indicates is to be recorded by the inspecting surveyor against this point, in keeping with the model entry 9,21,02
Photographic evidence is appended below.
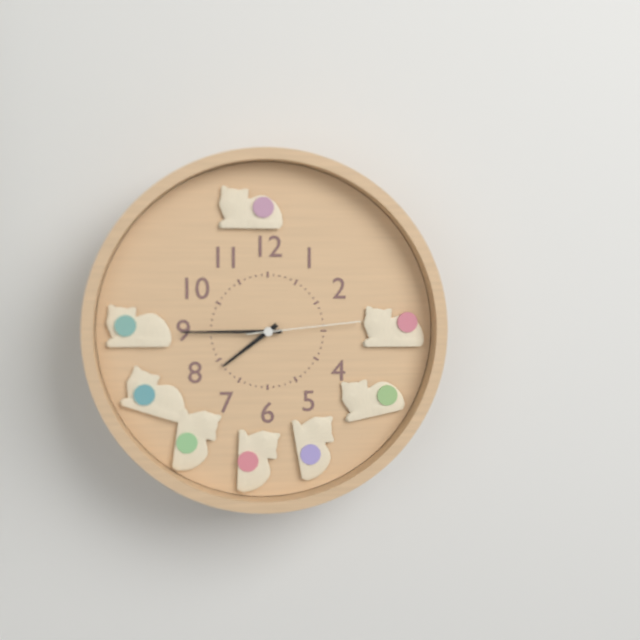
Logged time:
7,45,14
